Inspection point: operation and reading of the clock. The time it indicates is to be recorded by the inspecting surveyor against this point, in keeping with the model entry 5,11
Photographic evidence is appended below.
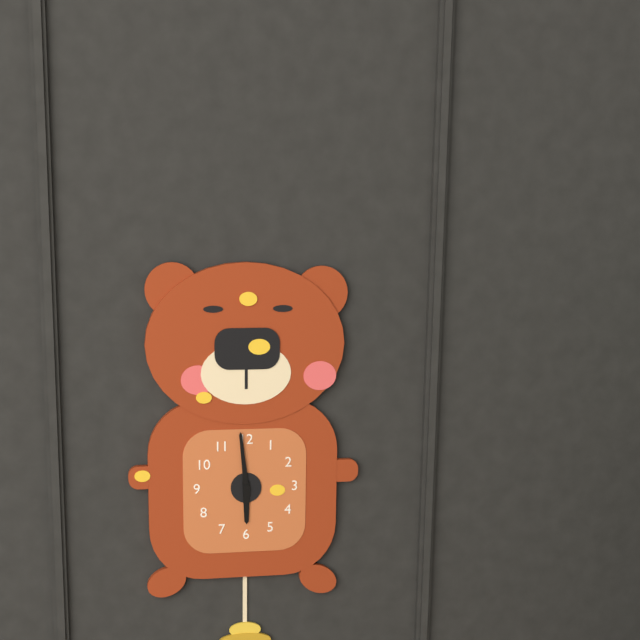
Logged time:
5,59
